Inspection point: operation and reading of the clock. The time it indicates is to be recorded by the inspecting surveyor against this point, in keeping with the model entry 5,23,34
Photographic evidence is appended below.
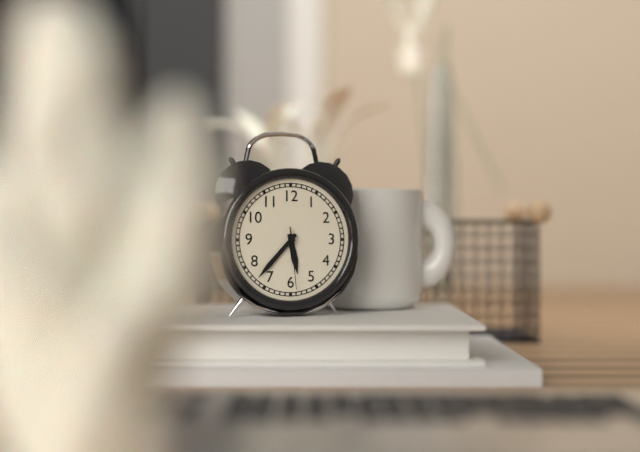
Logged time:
5,37,29
